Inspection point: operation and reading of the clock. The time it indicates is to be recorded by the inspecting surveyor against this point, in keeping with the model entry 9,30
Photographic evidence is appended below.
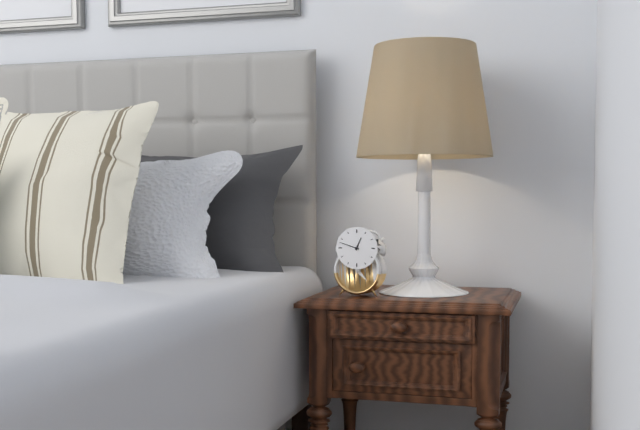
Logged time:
12,48
